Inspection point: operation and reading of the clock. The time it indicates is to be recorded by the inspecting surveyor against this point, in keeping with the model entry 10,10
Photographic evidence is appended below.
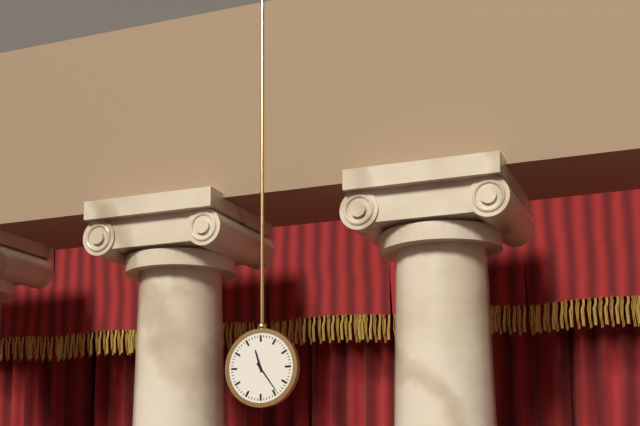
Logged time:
11,24
